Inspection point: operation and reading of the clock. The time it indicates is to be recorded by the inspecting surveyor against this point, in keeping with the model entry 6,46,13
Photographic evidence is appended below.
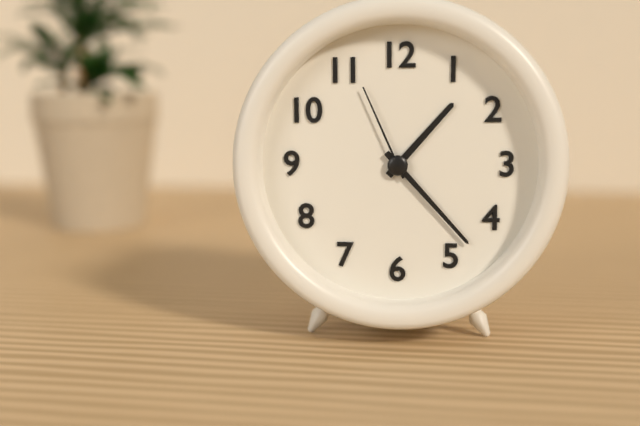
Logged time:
1,23,56
